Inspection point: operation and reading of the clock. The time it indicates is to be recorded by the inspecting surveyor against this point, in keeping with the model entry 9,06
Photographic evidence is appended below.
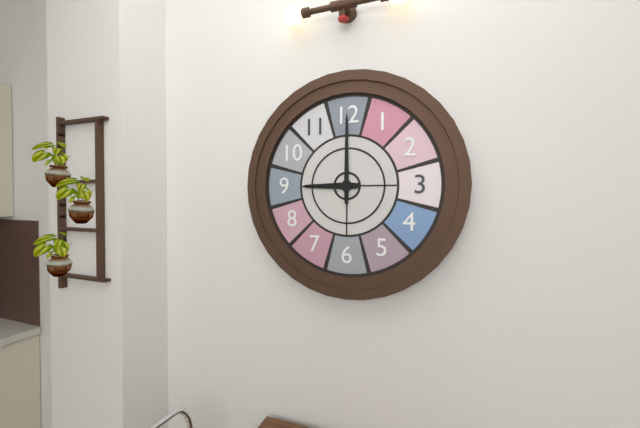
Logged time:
9,00
